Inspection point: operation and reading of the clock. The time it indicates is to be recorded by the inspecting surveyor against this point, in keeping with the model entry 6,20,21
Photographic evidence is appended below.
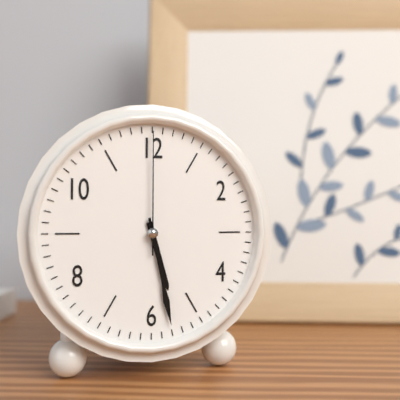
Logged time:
5,28,00
